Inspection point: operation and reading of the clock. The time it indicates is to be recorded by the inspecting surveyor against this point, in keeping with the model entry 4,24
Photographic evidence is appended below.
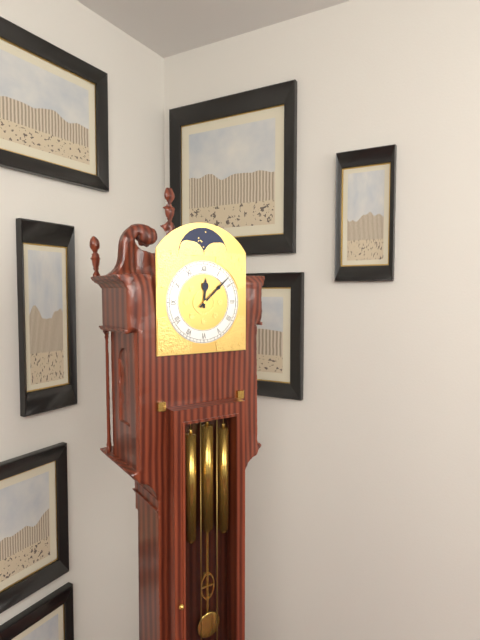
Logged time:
12,08
